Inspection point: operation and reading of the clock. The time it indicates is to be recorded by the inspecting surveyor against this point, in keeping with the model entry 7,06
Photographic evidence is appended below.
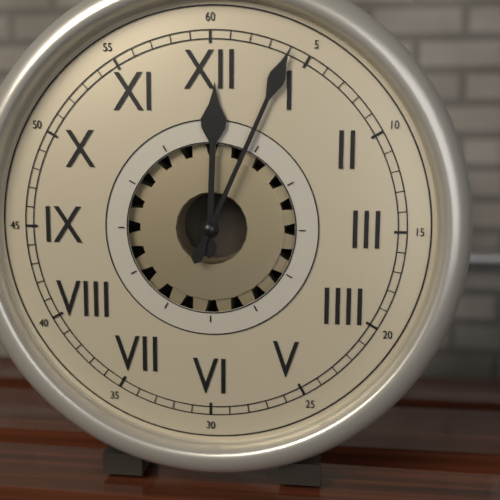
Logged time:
12,04
